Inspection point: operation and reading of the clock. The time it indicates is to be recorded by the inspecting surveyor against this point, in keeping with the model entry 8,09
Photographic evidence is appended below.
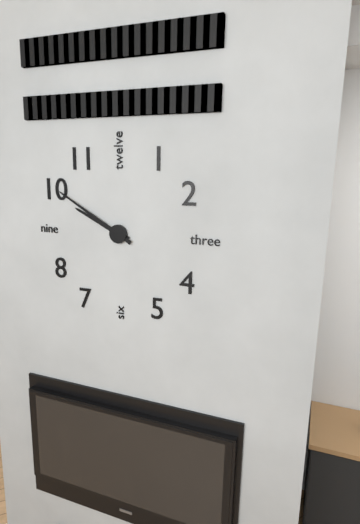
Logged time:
9,50
